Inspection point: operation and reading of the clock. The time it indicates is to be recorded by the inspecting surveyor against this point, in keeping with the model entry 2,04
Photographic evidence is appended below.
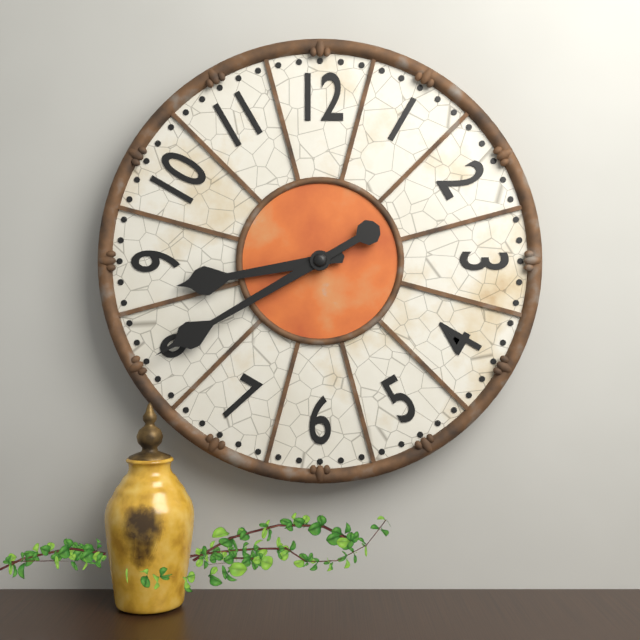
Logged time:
8,40
